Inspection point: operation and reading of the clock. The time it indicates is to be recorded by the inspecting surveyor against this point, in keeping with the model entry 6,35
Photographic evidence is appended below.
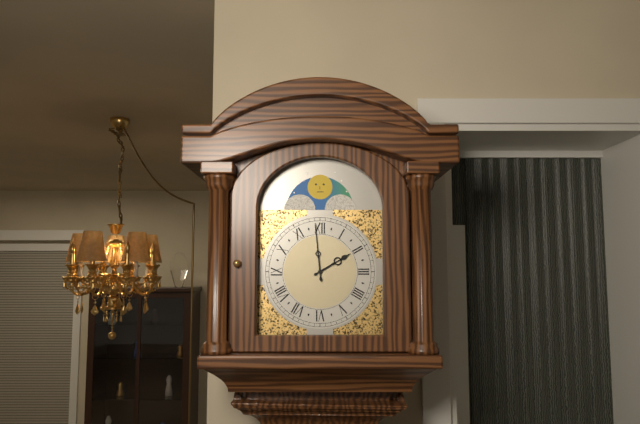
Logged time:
1,59
